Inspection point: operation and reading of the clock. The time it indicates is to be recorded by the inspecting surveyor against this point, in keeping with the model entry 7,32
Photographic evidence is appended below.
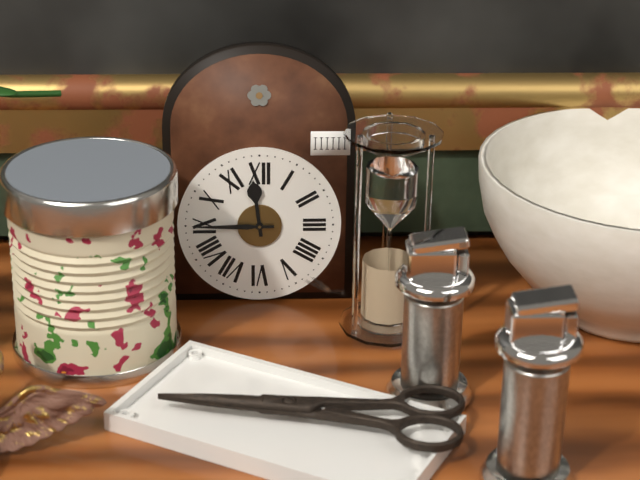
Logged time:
11,45
